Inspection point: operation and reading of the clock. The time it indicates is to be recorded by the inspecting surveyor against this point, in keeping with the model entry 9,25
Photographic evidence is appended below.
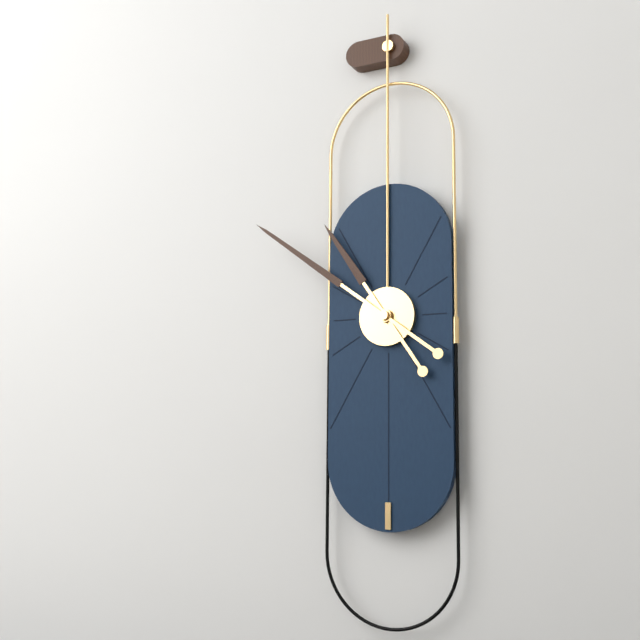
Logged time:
10,51
